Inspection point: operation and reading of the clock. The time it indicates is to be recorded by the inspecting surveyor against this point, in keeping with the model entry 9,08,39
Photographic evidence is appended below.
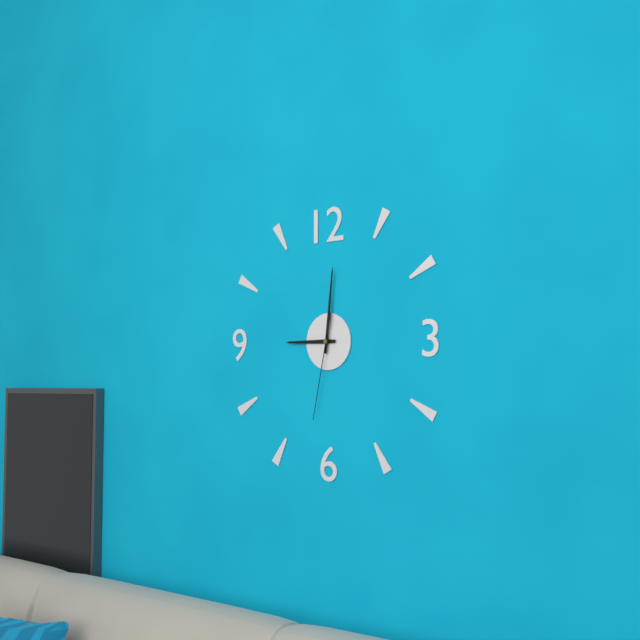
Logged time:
9,01,32
